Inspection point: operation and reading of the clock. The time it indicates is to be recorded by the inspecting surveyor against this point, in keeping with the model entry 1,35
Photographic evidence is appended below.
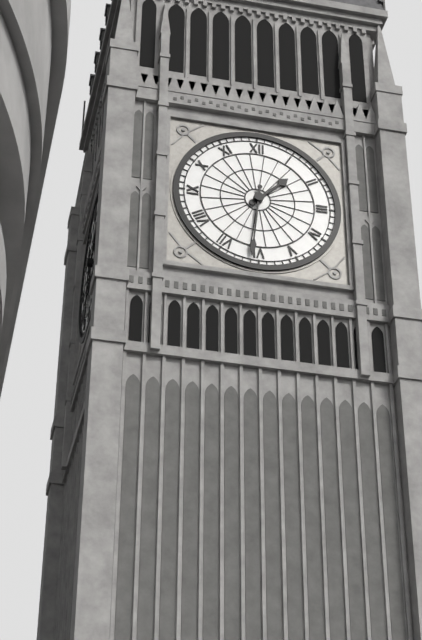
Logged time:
1,31
